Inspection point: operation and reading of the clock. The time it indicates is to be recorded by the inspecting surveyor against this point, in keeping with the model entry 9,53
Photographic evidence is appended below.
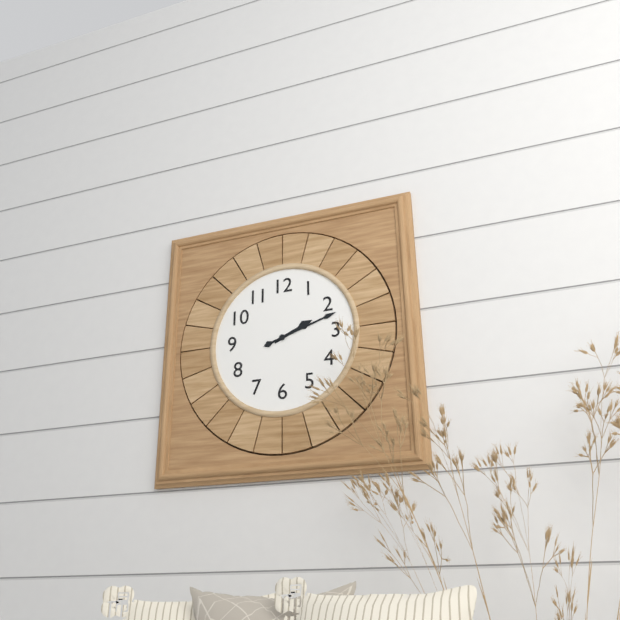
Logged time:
2,12
